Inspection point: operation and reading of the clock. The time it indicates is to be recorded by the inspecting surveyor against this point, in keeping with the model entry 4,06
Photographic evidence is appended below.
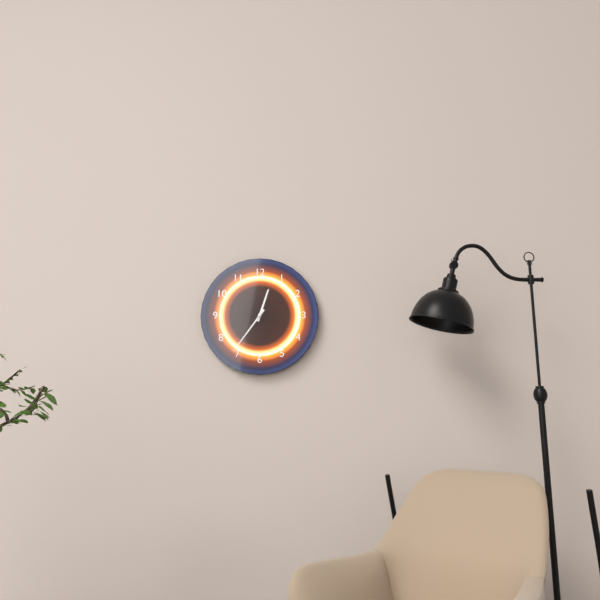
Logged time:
12,36
